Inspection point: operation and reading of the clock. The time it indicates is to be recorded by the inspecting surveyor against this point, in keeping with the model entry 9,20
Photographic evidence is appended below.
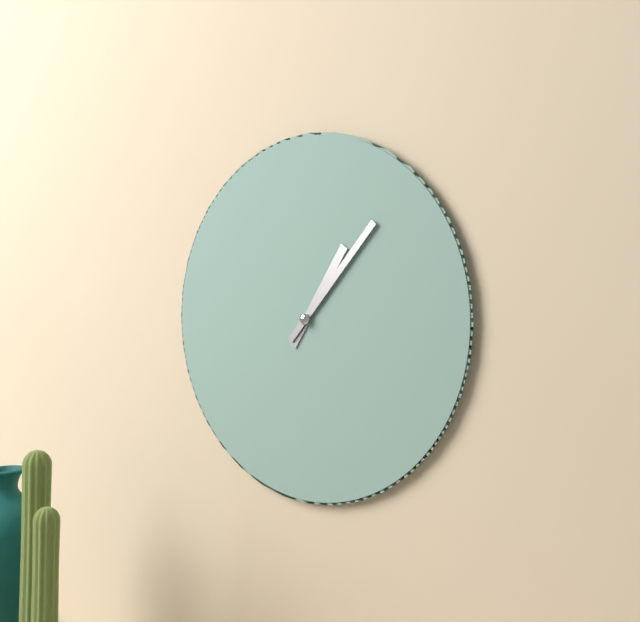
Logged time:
1,07
